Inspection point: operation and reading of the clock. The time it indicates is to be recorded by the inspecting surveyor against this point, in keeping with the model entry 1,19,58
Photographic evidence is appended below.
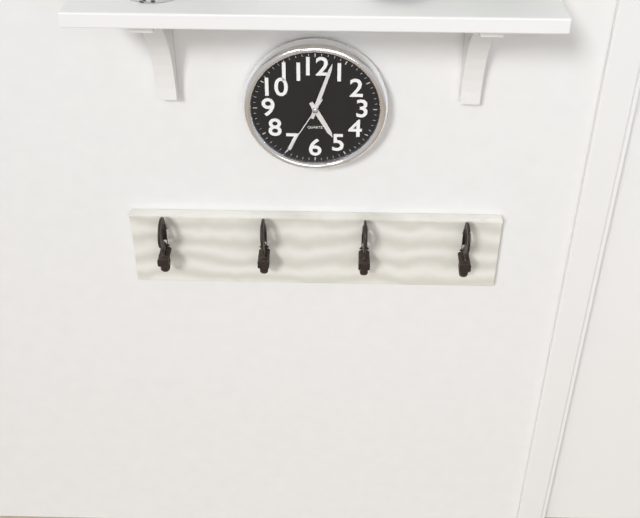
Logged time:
5,03,35
